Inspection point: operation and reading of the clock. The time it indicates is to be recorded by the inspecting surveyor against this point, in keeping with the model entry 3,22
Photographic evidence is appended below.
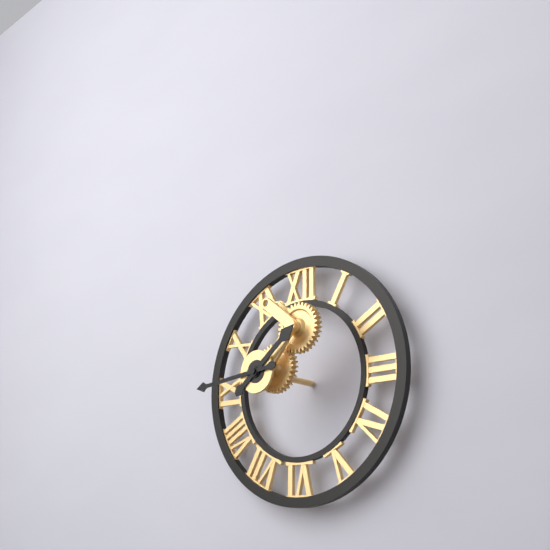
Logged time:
1,44
